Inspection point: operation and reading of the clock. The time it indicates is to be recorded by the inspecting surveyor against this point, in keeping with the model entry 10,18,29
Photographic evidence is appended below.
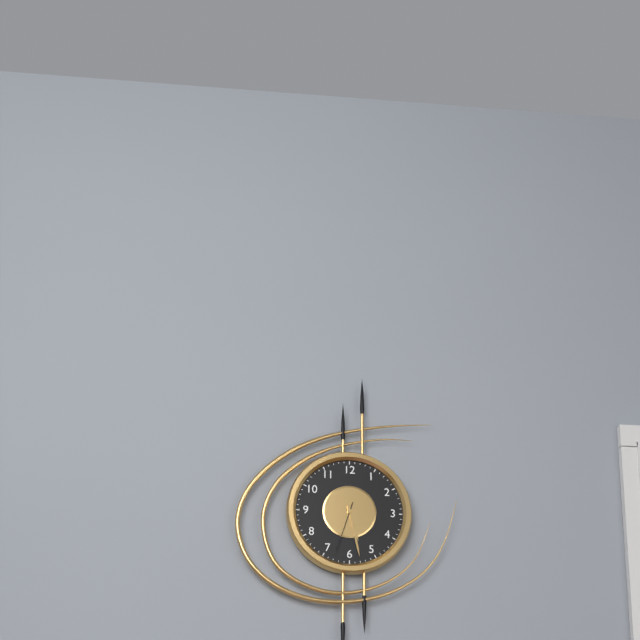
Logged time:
5,28,33
